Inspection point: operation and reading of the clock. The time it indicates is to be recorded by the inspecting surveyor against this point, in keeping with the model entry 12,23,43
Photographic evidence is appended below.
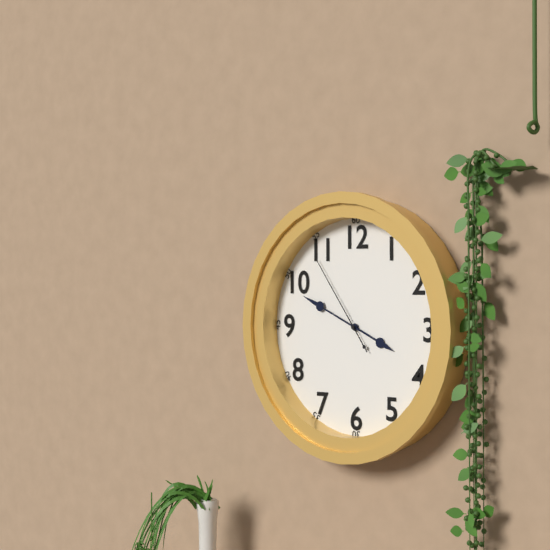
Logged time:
3,49,54
